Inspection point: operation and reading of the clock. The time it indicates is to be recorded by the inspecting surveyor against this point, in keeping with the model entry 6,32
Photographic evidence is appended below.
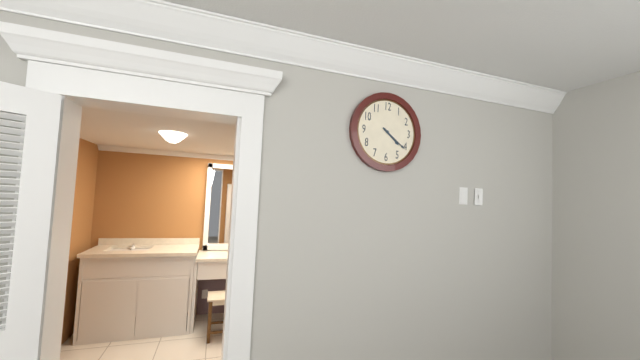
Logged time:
4,21
